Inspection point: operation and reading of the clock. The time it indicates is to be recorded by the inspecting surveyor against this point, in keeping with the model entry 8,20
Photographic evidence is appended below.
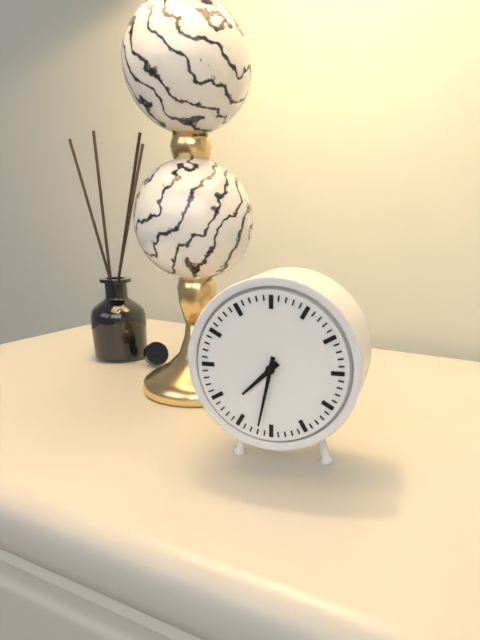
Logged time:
7,32
